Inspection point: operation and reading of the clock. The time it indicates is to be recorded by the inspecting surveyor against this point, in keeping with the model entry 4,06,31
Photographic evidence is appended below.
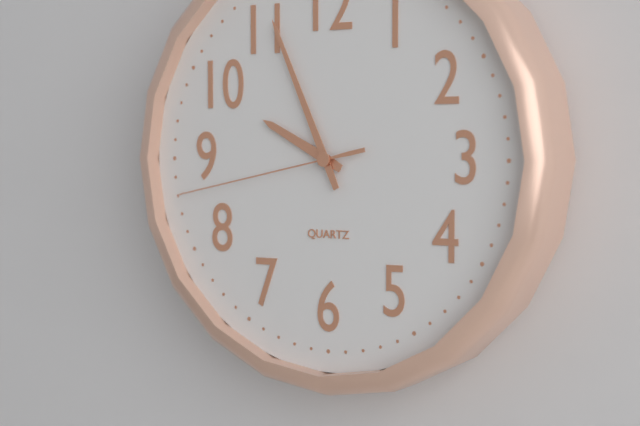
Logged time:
9,56,43
